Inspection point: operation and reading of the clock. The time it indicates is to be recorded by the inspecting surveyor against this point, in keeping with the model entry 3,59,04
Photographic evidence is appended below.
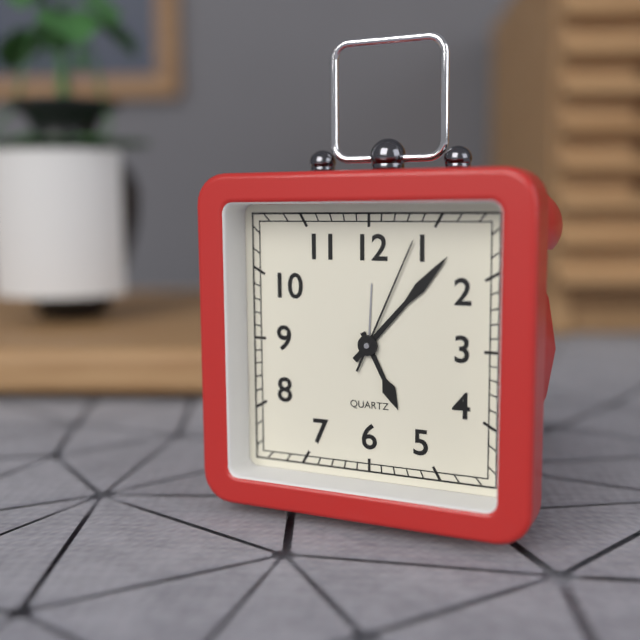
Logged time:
5,07,04
